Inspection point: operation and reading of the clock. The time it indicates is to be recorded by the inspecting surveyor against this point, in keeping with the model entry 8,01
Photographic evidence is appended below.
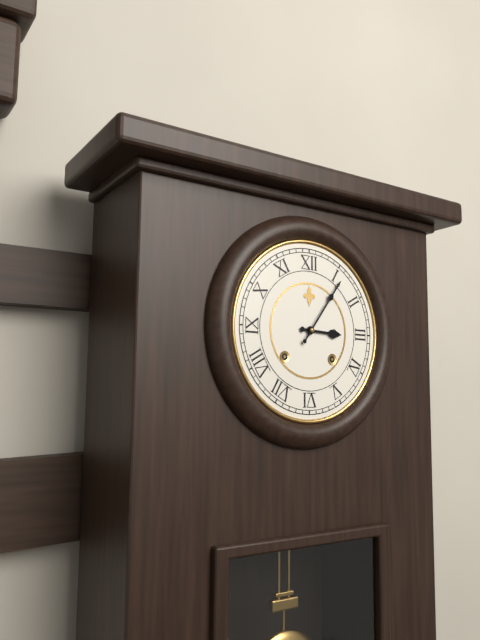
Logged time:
3,06
